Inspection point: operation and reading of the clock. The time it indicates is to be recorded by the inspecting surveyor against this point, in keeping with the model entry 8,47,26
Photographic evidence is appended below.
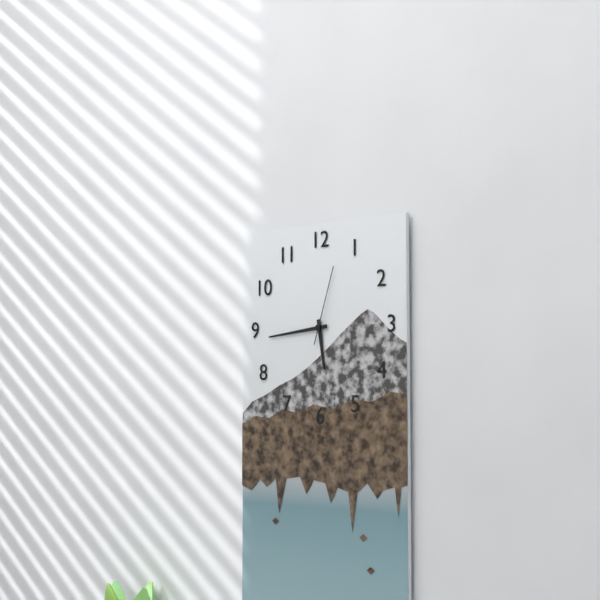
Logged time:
5,44,03
